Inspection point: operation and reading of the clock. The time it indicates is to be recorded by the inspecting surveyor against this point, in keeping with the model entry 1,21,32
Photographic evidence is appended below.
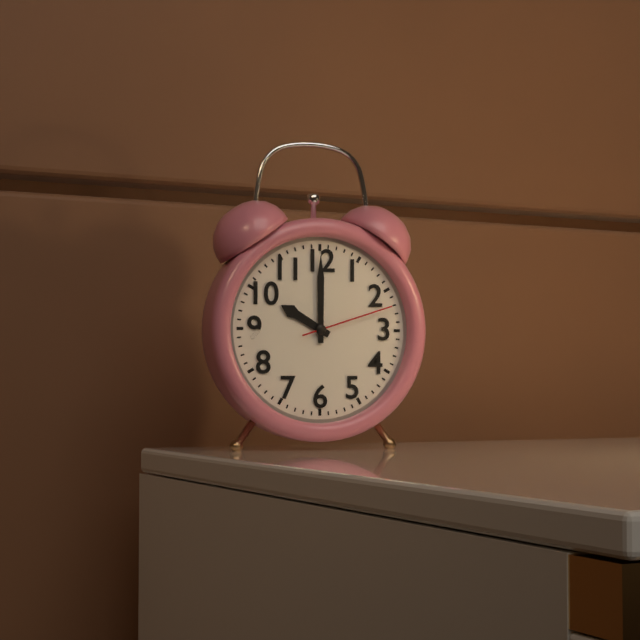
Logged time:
10,00,12
